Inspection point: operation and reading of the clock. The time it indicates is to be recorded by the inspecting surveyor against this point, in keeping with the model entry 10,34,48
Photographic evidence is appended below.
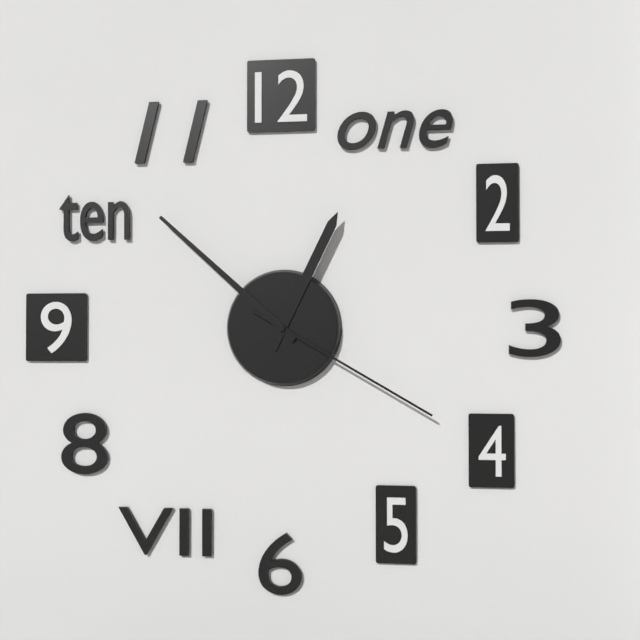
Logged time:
12,52,20
